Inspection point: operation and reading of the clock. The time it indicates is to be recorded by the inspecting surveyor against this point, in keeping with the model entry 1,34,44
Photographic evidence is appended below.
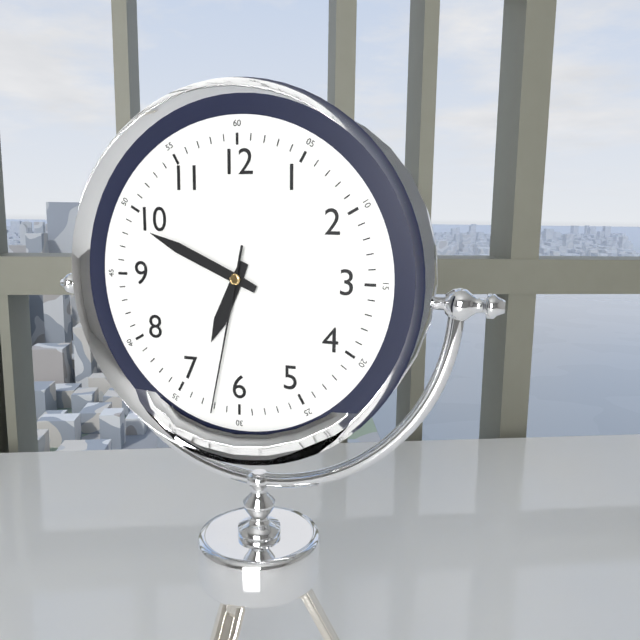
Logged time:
6,49,32
